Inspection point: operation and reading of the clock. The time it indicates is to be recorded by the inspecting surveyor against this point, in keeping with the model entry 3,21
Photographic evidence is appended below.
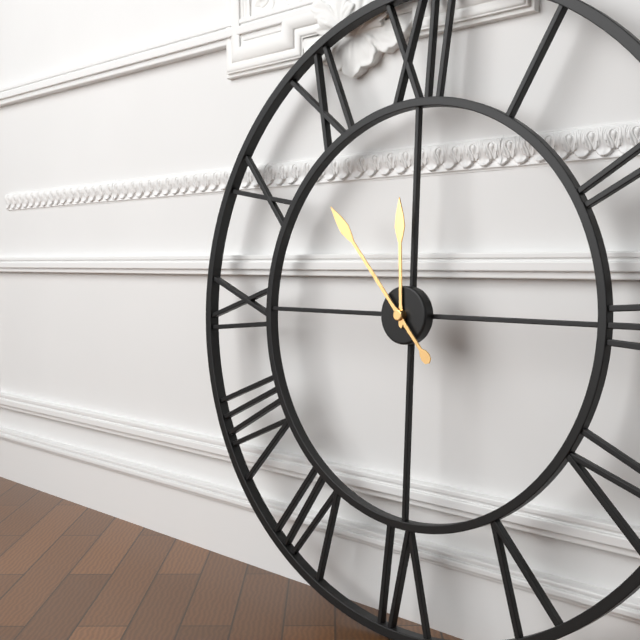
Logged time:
11,53
